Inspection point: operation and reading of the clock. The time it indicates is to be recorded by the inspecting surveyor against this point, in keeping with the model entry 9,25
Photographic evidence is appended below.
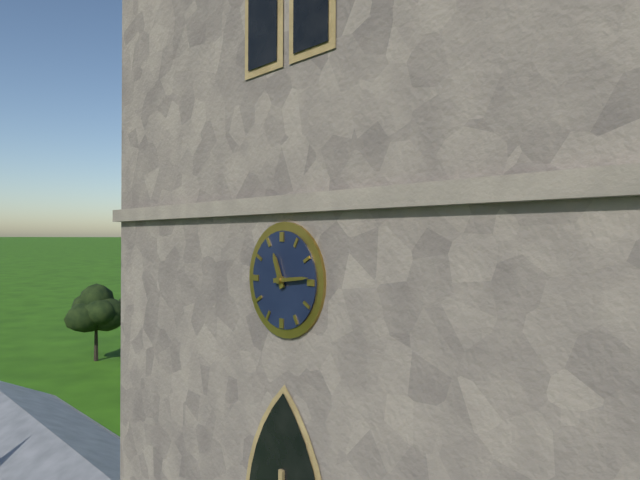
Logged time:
11,14
